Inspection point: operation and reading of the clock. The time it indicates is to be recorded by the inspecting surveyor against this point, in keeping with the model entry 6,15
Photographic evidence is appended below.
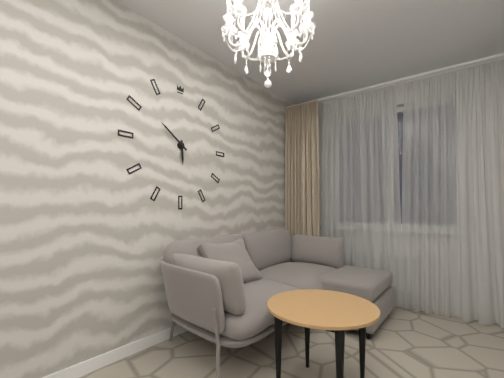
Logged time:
5,51
